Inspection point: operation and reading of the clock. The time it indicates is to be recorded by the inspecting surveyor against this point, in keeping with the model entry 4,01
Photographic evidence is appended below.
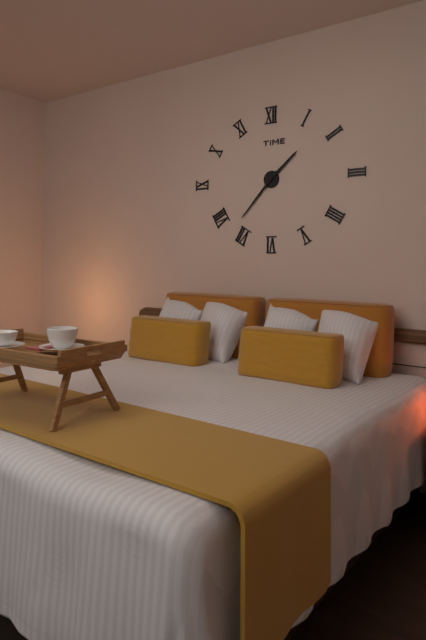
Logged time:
1,37
